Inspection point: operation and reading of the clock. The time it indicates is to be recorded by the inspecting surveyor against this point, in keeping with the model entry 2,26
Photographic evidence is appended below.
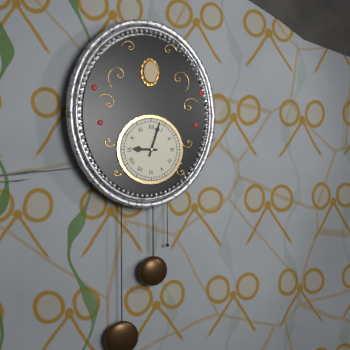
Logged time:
9,03
